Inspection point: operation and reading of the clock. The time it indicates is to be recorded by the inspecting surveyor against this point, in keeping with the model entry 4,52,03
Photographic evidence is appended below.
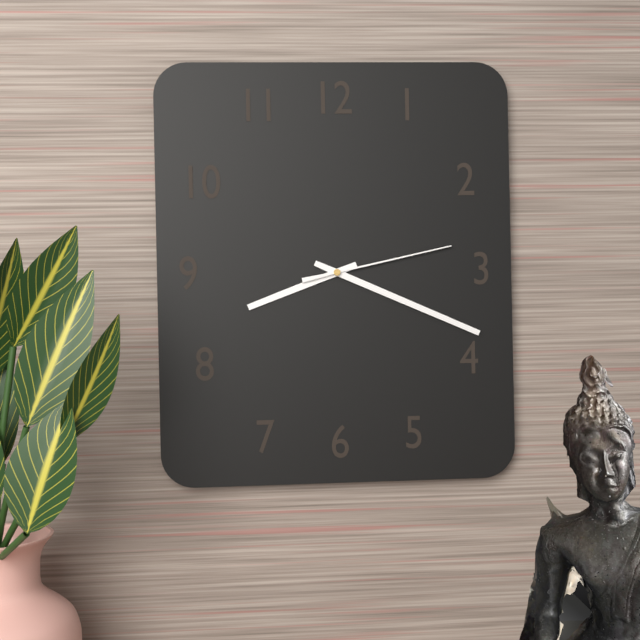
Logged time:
8,19,13
